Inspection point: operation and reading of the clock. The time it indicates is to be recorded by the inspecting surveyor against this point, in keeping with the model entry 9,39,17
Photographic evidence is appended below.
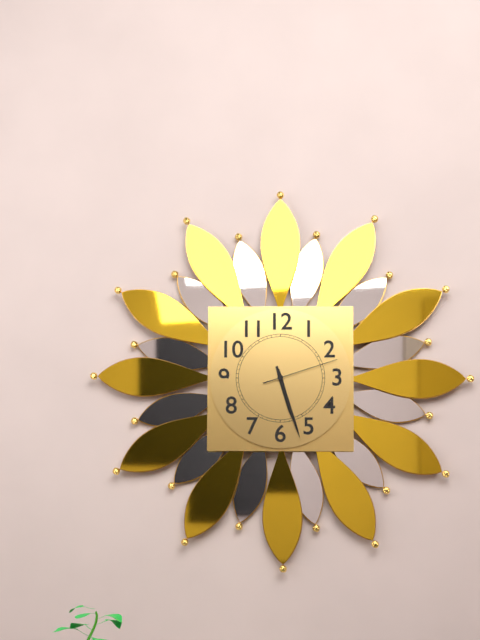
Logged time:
5,27,12
